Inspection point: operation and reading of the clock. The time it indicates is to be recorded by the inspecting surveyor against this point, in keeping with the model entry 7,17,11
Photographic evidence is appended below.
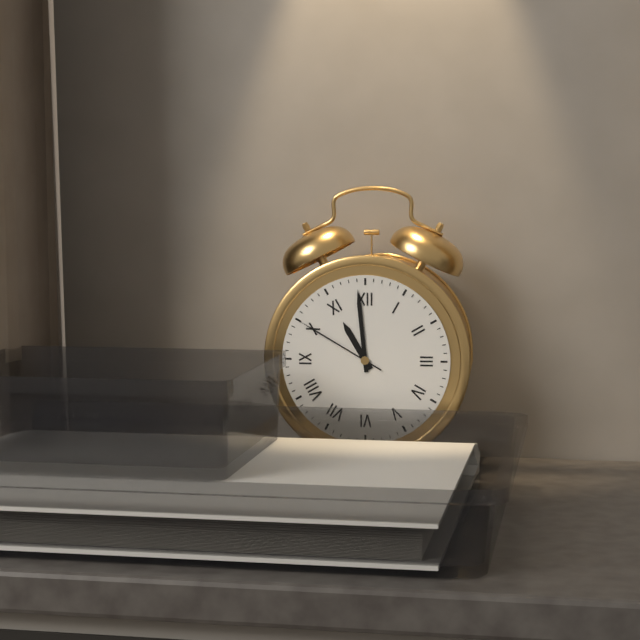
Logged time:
10,59,50
